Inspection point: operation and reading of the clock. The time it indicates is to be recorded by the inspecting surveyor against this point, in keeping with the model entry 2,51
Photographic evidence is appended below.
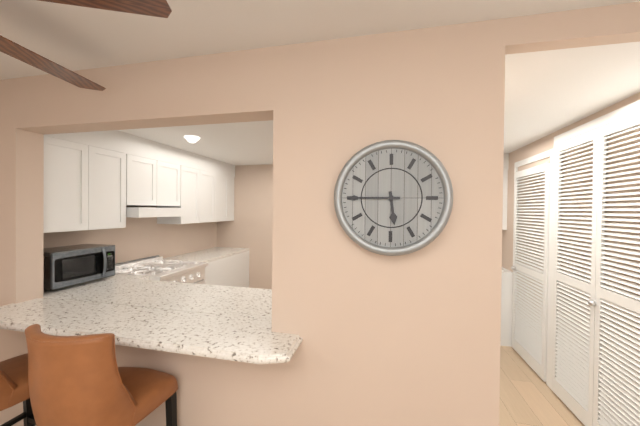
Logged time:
5,45
